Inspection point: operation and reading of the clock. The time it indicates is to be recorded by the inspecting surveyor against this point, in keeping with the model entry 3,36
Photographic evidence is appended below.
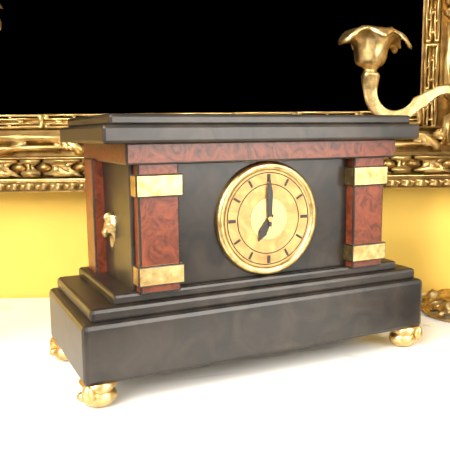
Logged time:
7,00
